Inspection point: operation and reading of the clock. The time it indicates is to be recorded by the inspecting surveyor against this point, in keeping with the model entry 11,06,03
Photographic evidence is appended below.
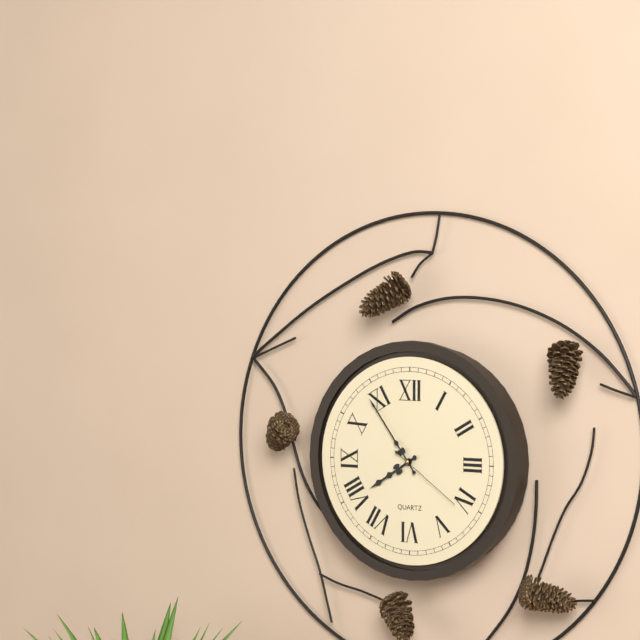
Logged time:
7,54,21
